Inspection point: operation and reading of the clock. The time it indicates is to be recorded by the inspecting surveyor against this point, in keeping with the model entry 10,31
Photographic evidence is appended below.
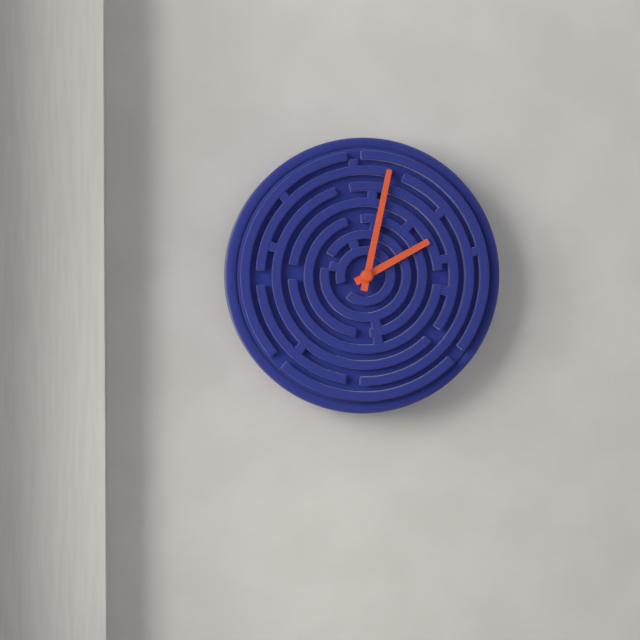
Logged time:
2,02
